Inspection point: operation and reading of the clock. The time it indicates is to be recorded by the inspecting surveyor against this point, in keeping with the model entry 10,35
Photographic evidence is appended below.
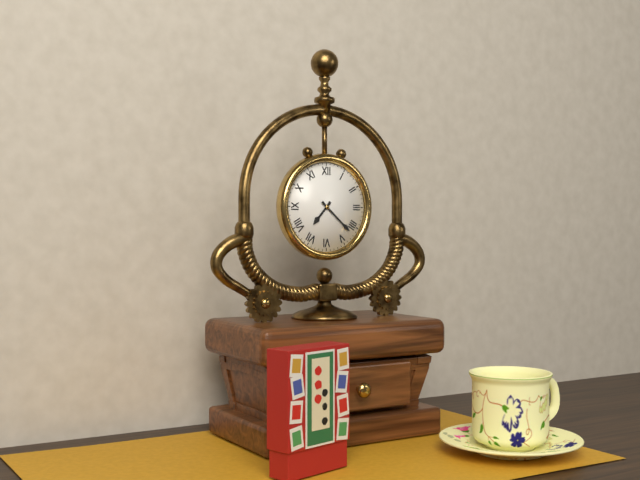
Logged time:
7,22
